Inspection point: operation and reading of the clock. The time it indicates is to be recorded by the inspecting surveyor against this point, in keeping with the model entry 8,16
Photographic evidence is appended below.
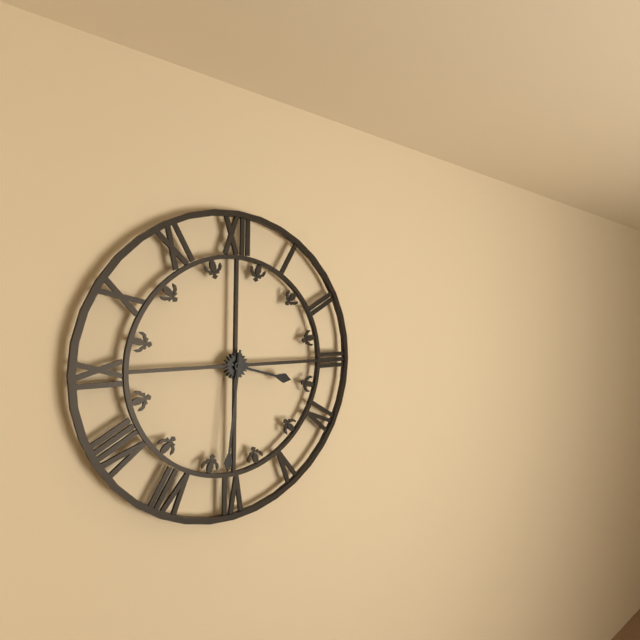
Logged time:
3,31
